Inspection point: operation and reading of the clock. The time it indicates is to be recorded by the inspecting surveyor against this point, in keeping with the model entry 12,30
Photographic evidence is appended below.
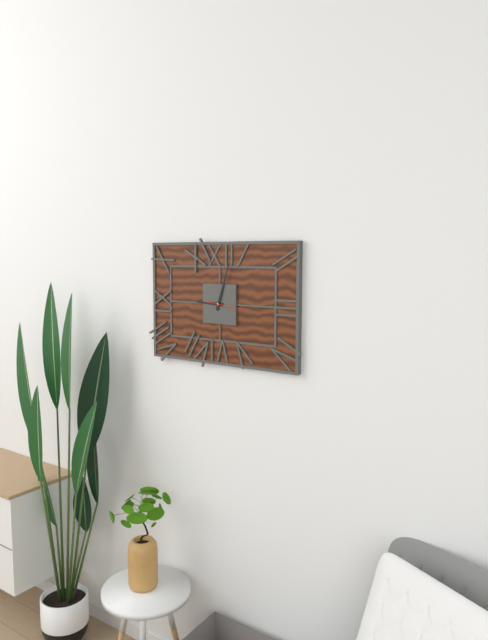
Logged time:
9,03
